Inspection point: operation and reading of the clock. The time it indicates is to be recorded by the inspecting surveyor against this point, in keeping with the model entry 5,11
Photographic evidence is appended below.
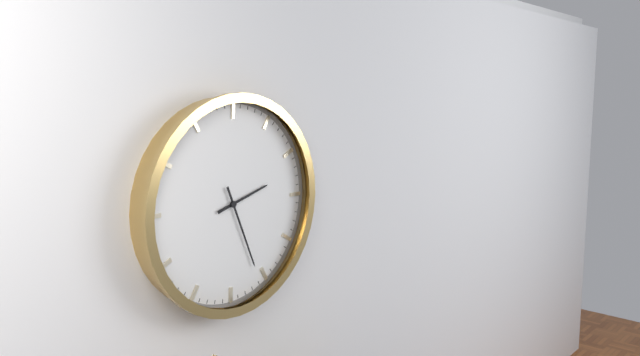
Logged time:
2,26
